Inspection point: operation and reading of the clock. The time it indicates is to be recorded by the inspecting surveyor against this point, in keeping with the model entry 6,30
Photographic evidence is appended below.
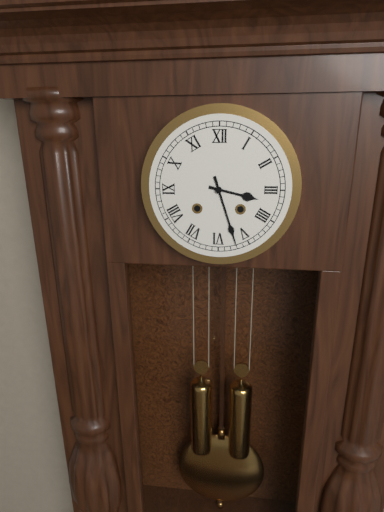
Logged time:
3,27
